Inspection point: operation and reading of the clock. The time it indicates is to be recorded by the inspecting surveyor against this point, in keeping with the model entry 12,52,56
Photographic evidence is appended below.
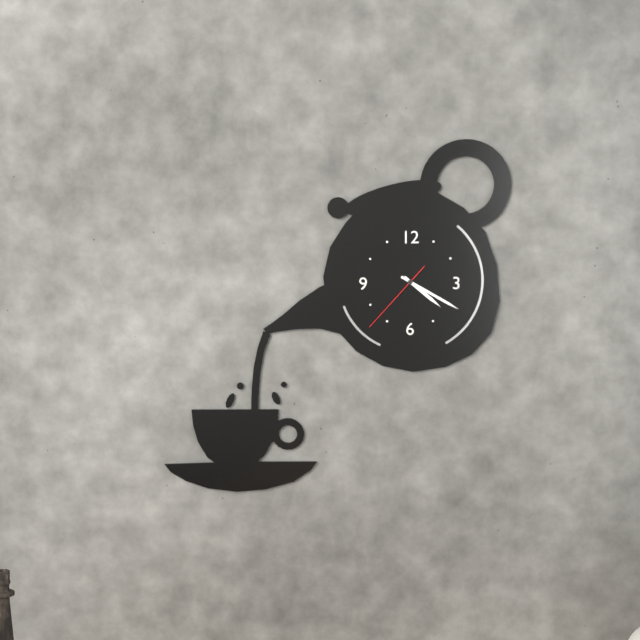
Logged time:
4,20,37
